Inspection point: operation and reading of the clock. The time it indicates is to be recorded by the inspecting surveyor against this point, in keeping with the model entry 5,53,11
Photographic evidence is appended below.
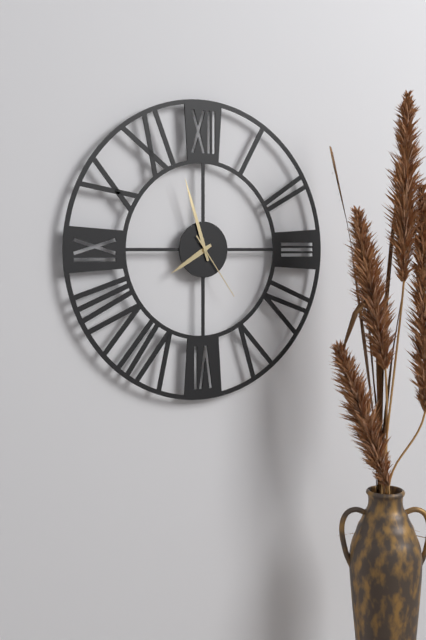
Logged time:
7,57,24
